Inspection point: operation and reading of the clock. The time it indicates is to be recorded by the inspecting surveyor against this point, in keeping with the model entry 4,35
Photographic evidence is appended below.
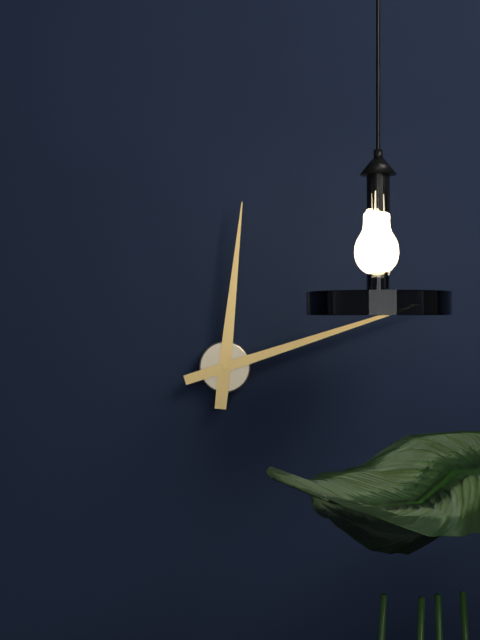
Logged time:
12,12
